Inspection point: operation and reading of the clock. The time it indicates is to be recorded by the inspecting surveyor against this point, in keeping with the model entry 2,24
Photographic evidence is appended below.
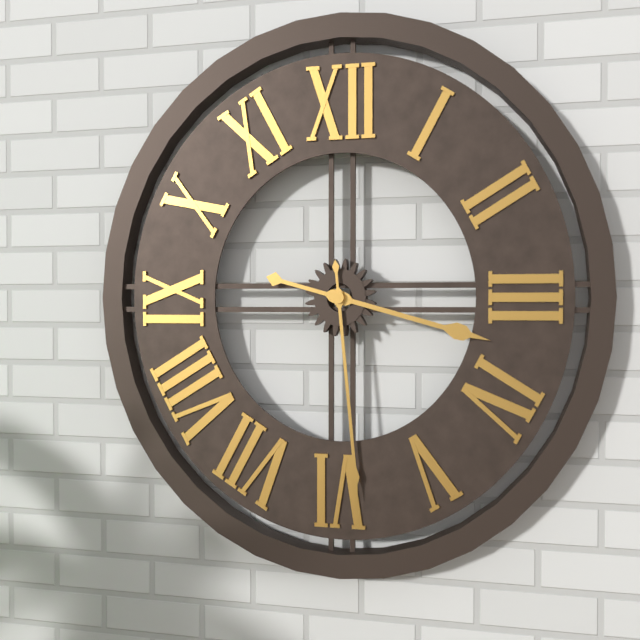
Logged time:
3,29
